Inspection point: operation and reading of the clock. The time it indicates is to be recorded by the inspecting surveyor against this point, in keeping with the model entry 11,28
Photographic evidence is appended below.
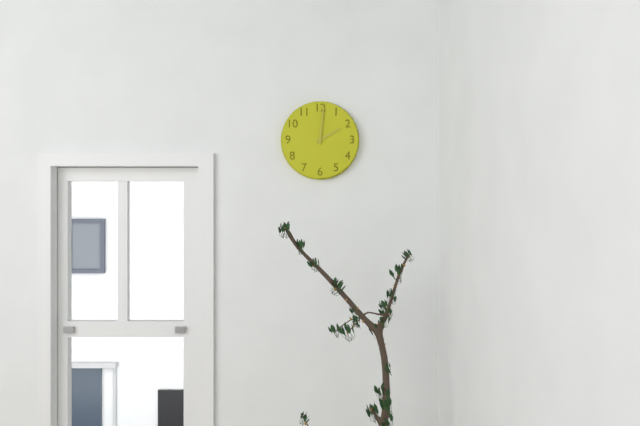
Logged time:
2,01
